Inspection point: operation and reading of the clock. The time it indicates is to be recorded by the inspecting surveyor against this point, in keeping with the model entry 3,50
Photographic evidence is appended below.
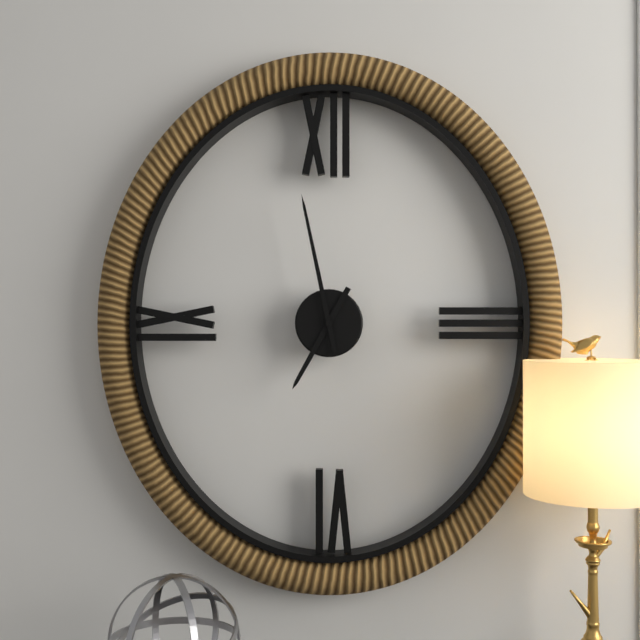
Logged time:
6,58
